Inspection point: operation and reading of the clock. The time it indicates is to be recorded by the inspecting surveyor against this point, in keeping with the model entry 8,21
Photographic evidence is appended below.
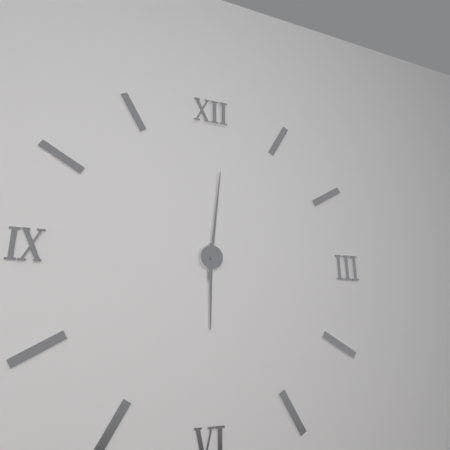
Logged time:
6,01
